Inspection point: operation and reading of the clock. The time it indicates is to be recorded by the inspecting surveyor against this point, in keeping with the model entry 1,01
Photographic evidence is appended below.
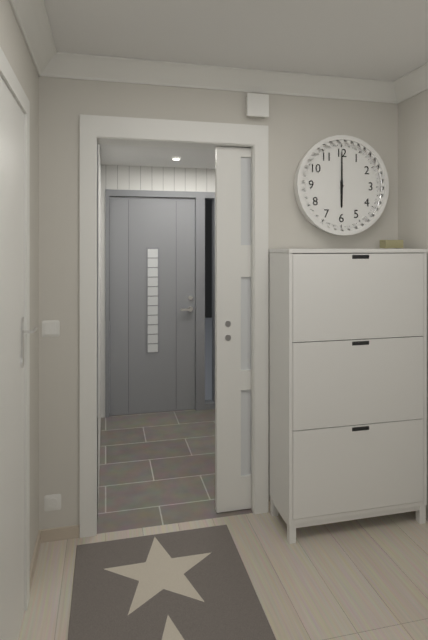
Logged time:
6,00
